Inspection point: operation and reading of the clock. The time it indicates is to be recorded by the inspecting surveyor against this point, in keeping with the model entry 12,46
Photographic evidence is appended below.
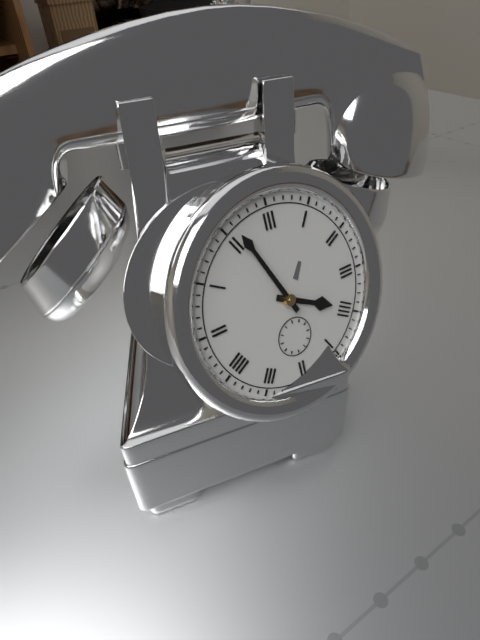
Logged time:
3,56
